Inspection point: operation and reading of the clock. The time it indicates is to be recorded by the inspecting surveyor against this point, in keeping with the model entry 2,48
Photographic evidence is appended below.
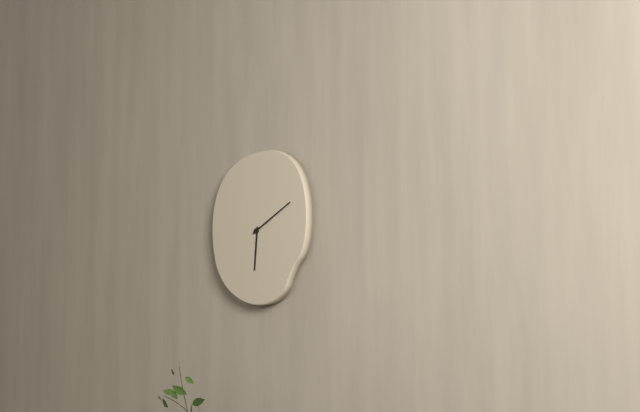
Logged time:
6,10
